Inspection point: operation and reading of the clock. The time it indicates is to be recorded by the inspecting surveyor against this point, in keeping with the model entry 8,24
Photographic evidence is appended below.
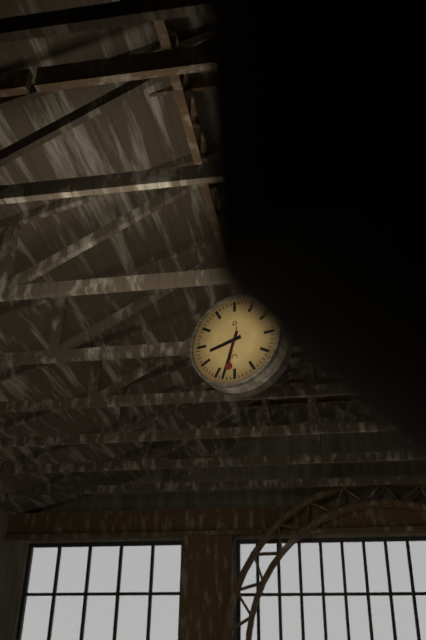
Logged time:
8,33
